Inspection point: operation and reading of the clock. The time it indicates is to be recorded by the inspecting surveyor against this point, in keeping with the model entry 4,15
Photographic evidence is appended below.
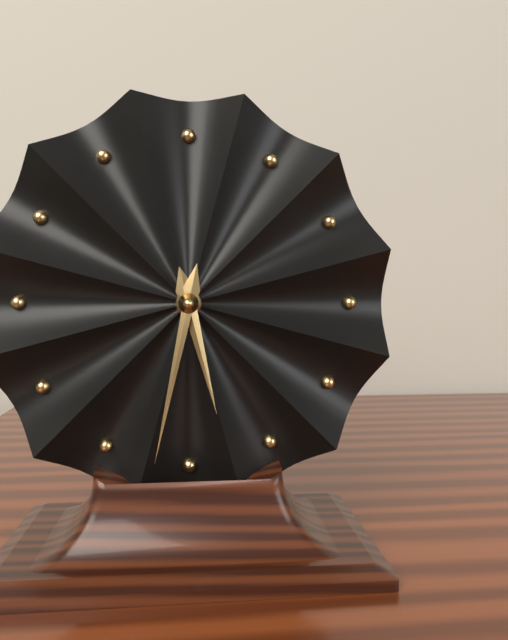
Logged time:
5,32
